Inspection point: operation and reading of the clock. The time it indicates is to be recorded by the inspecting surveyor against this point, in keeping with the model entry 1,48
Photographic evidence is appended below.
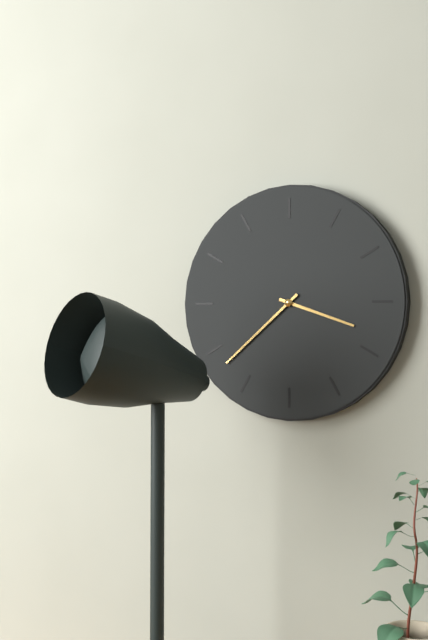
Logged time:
3,38
